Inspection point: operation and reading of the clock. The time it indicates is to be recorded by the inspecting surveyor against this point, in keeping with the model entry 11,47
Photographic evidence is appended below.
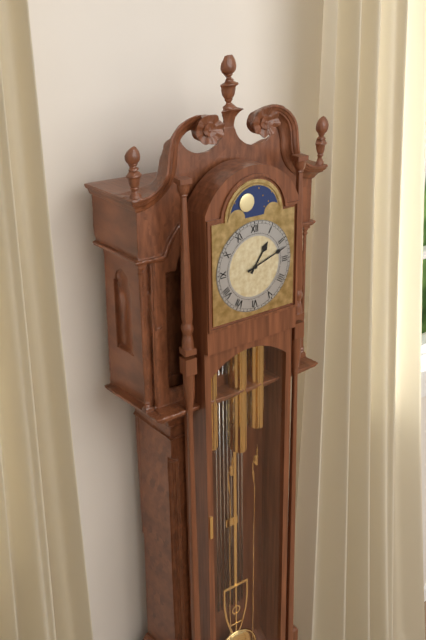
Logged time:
1,12
